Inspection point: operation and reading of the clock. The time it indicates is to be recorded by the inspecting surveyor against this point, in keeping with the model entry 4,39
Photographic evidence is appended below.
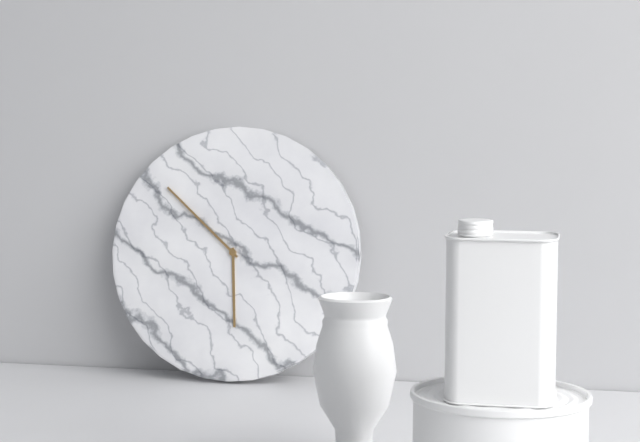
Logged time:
5,52
